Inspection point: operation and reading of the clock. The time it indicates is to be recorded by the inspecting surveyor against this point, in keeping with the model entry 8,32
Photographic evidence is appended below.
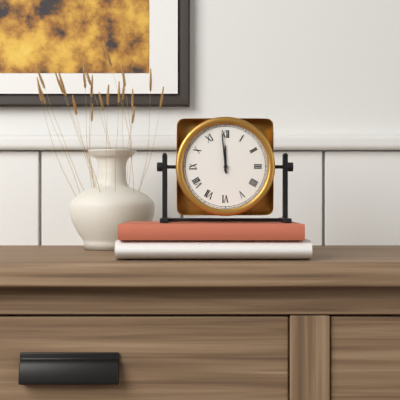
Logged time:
11,59
